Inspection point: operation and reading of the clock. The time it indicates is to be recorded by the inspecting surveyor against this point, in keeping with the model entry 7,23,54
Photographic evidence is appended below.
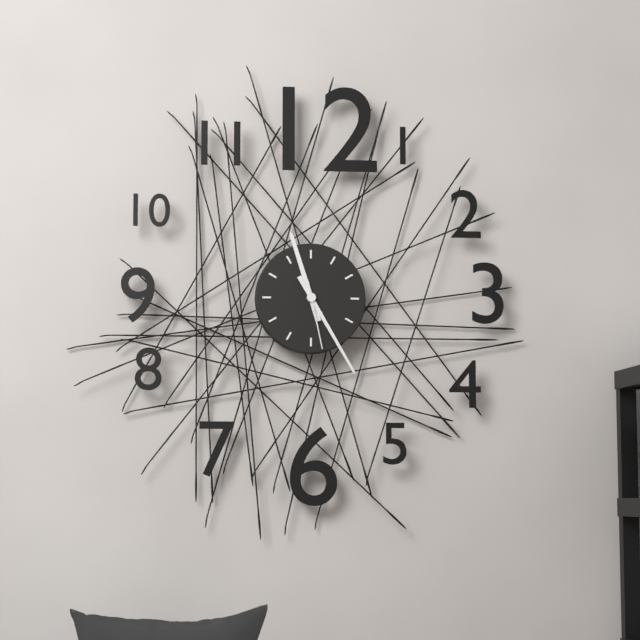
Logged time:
11,25,28
